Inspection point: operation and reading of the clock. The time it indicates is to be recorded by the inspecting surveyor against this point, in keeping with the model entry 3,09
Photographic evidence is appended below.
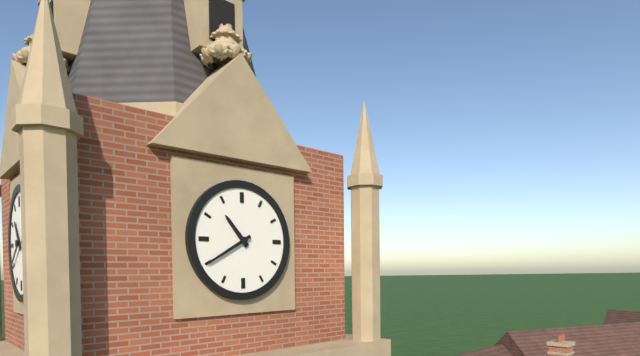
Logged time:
10,40
